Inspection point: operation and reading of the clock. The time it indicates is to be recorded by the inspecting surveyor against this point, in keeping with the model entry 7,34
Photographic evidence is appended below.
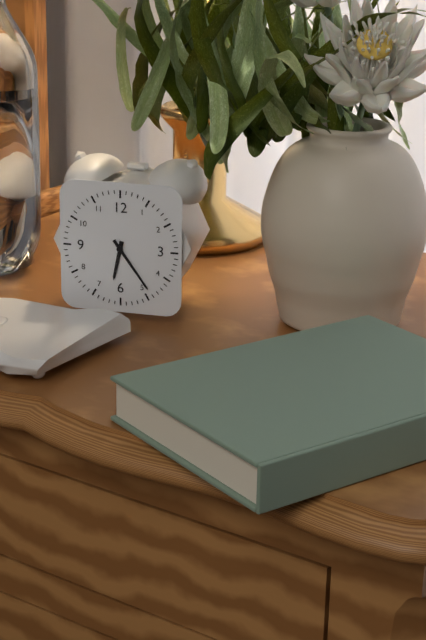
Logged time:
6,24
